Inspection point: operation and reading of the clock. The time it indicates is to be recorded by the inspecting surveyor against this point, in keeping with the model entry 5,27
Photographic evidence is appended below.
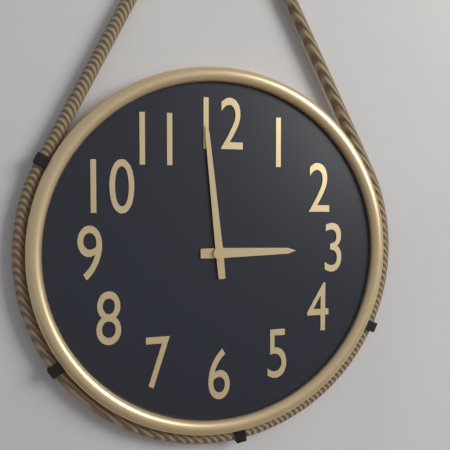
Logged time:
2,59
